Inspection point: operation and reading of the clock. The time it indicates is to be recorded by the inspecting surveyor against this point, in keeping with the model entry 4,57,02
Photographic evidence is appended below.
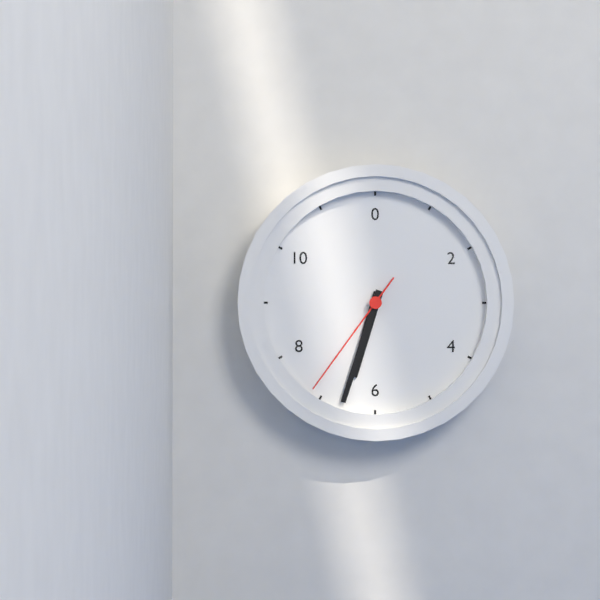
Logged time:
6,33,36
